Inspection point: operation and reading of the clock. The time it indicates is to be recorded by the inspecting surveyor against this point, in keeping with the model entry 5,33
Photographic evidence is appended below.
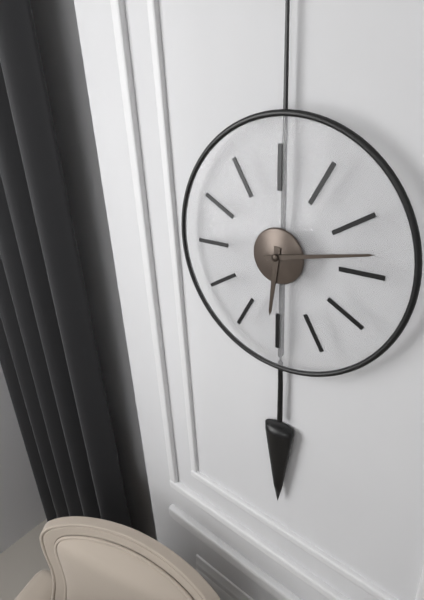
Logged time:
6,13
